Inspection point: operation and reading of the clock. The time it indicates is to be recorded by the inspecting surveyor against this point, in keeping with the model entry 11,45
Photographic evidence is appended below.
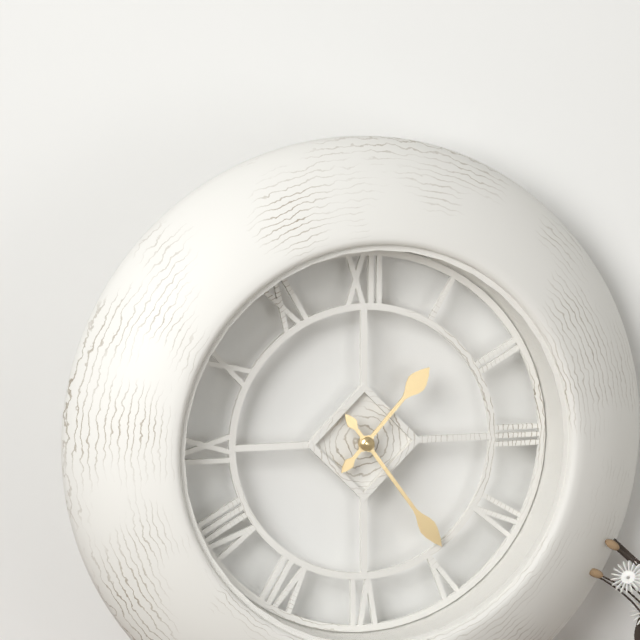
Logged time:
1,24
